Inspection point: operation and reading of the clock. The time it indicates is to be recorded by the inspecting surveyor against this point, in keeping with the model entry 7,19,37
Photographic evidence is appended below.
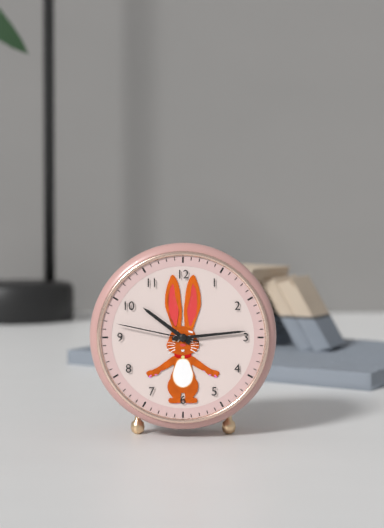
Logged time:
10,14,47
